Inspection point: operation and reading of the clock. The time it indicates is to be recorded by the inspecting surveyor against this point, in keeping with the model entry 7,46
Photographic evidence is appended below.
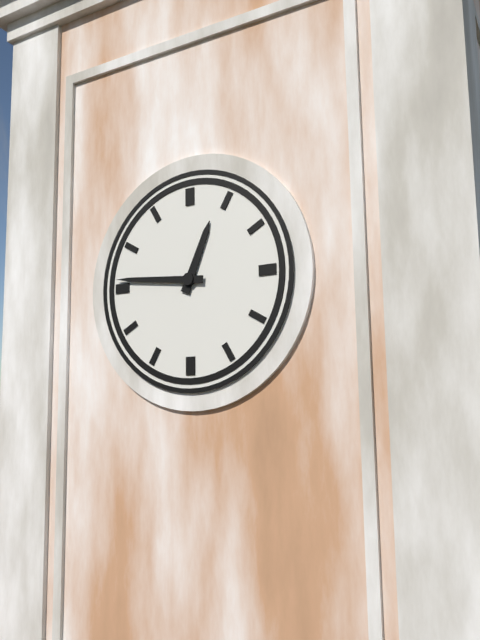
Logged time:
12,46
